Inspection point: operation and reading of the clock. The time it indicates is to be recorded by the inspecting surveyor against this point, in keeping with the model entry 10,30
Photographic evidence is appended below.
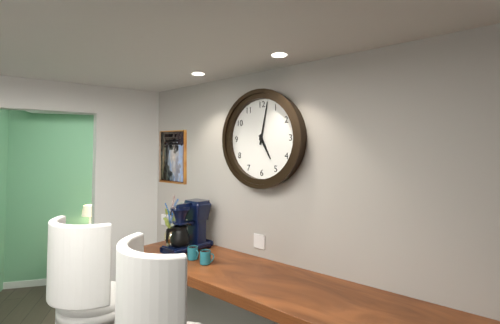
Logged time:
5,02
